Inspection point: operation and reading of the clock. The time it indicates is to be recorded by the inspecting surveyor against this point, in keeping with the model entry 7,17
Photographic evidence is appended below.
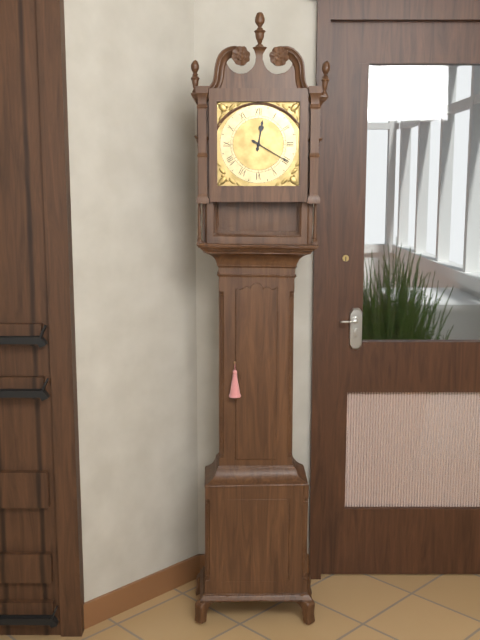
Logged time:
12,20
